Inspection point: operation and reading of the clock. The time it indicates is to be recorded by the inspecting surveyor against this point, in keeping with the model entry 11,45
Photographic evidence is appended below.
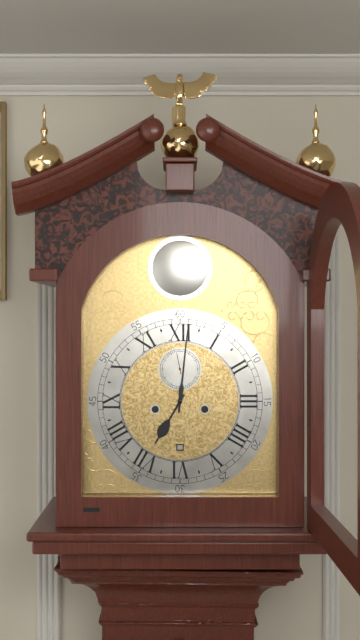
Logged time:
7,01
